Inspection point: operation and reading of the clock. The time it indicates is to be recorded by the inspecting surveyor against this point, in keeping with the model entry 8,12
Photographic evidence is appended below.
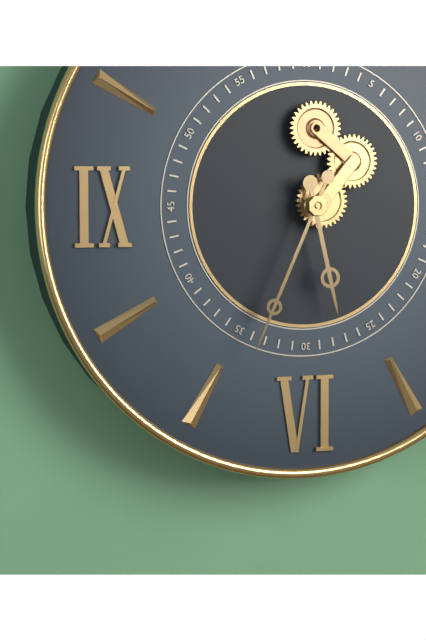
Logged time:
5,34
